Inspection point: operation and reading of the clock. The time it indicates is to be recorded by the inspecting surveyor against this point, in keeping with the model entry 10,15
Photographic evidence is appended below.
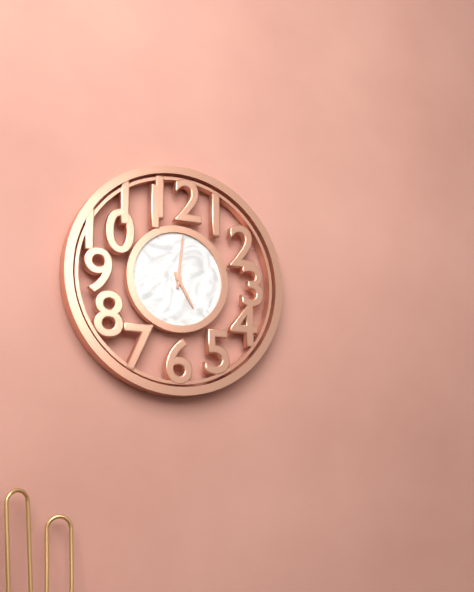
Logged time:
5,01
